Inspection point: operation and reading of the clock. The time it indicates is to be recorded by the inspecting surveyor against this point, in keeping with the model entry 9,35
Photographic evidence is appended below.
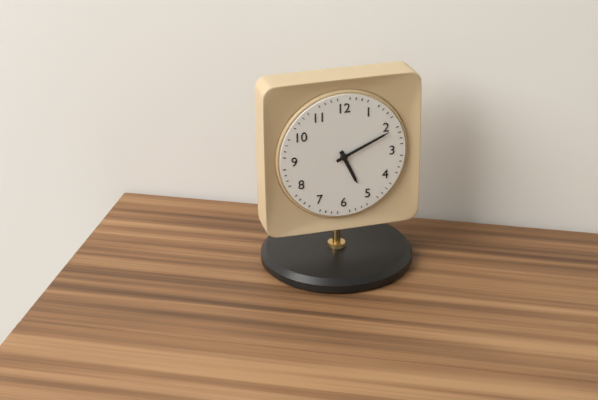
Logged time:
5,11
